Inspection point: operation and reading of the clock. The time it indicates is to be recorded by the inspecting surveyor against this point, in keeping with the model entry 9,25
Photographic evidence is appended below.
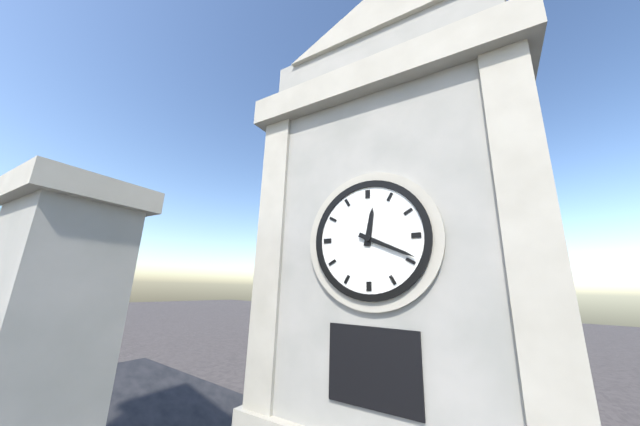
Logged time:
12,19
